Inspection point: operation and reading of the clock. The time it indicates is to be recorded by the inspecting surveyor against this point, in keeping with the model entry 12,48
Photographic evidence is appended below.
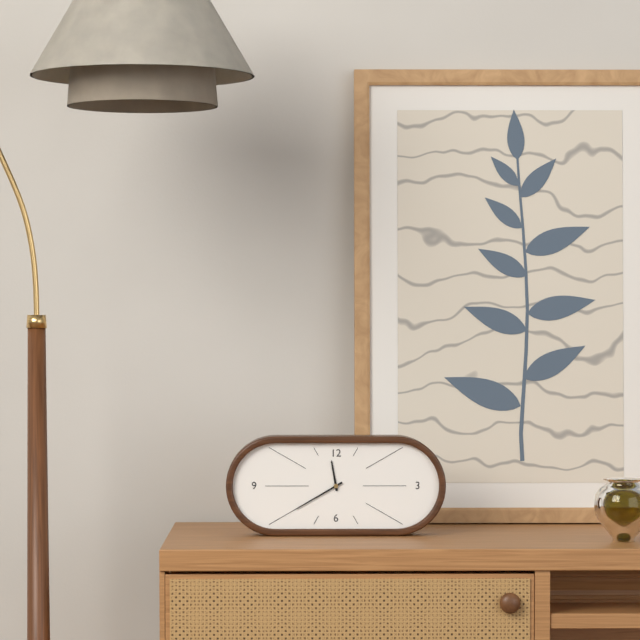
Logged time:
11,40
